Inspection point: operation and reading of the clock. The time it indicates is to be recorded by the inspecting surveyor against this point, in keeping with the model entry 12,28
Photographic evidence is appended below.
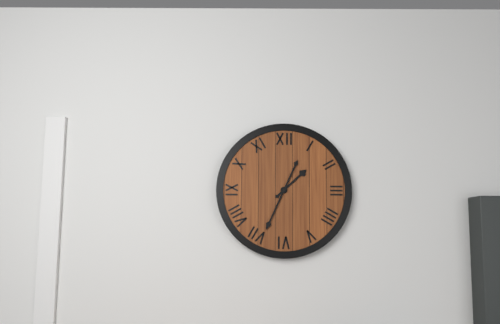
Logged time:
1,34
